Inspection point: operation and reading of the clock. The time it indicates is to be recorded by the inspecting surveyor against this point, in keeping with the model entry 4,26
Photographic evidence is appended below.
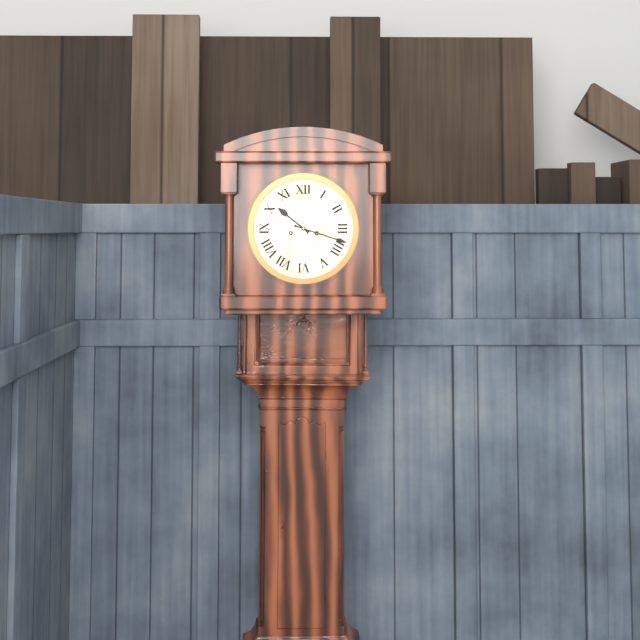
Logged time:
10,18
